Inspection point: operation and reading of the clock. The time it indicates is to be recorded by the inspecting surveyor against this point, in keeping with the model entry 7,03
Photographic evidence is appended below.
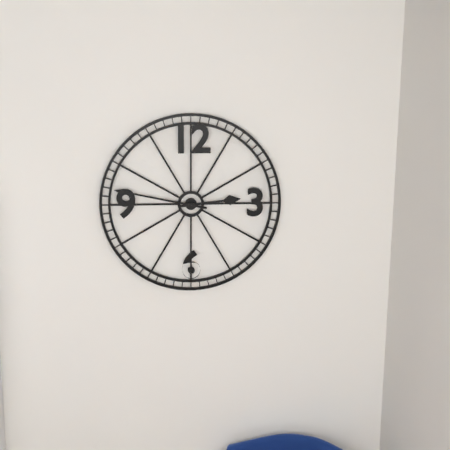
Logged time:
2,47
